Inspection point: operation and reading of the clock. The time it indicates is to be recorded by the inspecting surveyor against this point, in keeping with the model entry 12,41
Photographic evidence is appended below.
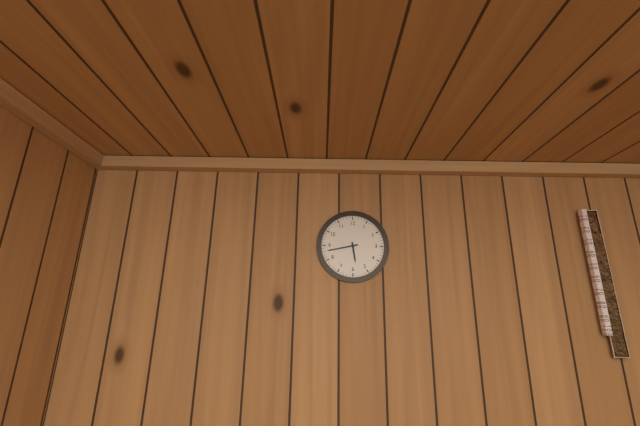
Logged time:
5,43
